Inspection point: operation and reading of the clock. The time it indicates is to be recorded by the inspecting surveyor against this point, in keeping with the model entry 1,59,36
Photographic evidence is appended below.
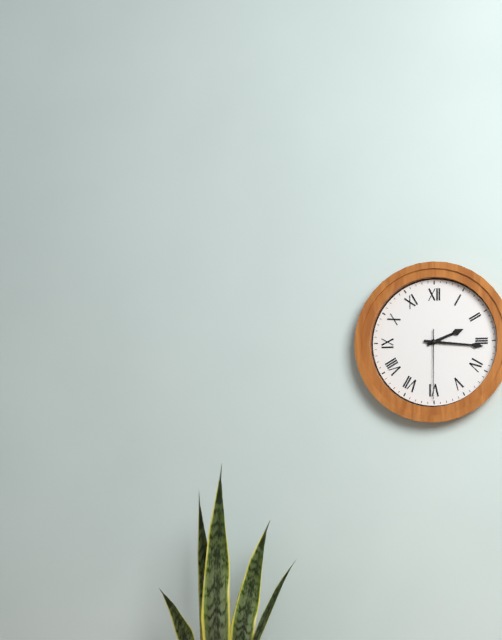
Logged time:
2,16,30
